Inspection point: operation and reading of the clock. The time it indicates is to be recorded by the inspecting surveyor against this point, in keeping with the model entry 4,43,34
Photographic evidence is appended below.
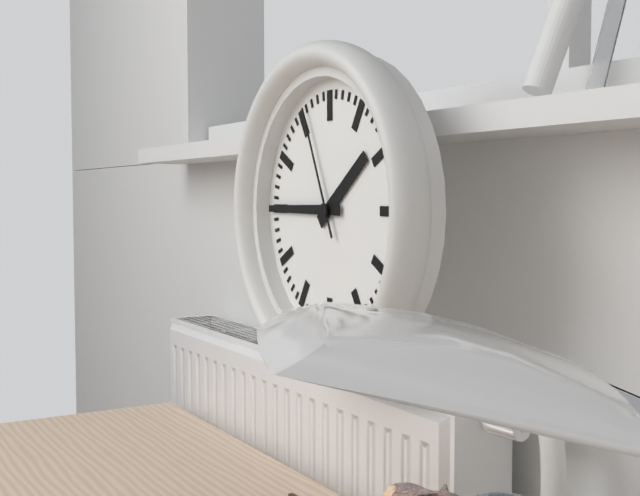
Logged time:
1,45,56
